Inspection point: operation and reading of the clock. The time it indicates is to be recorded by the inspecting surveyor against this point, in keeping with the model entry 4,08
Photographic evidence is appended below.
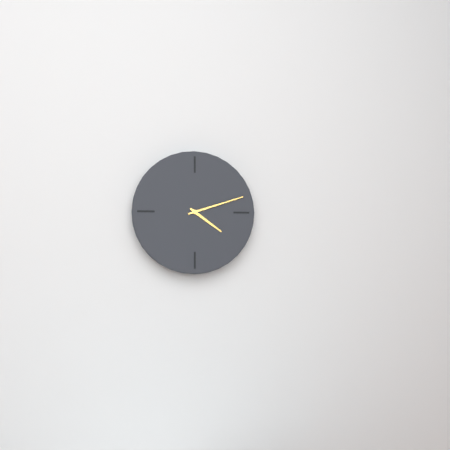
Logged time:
4,12
